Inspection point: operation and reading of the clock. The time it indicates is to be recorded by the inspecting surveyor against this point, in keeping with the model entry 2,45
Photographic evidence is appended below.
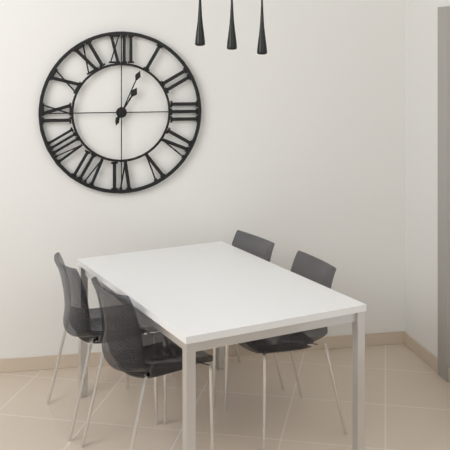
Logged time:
1,04
